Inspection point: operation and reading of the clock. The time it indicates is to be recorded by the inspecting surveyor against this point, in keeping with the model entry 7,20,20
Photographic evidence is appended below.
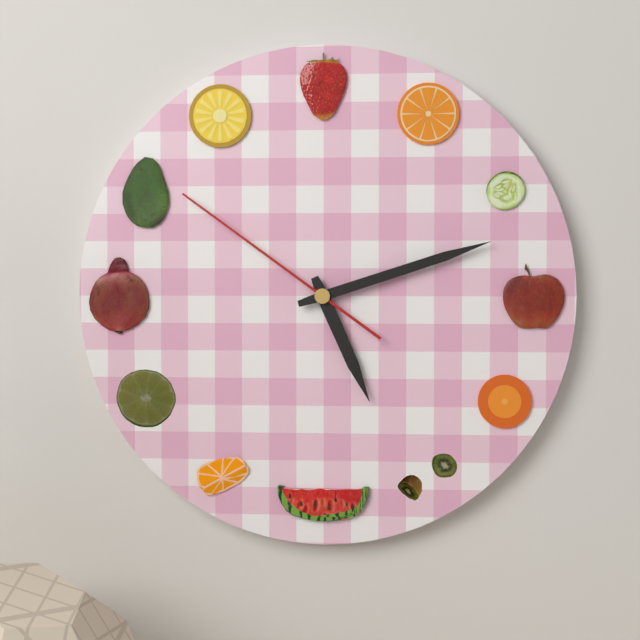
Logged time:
5,12,51
